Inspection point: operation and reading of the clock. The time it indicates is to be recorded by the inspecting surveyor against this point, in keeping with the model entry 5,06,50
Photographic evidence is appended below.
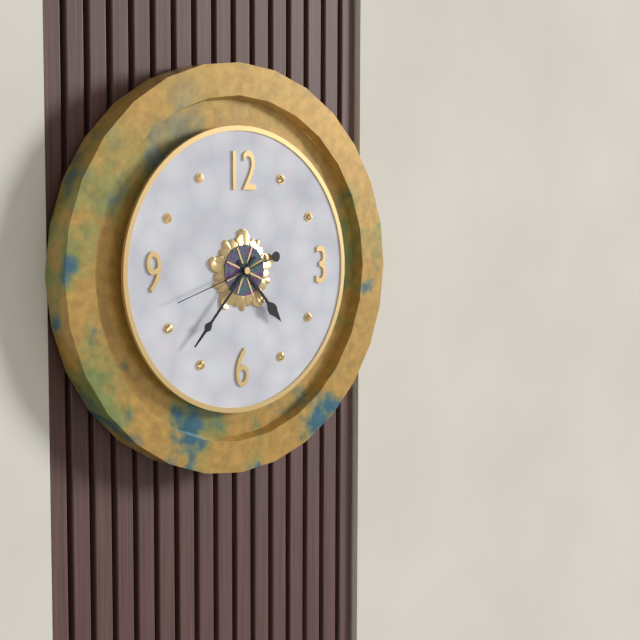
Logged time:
4,37,42
